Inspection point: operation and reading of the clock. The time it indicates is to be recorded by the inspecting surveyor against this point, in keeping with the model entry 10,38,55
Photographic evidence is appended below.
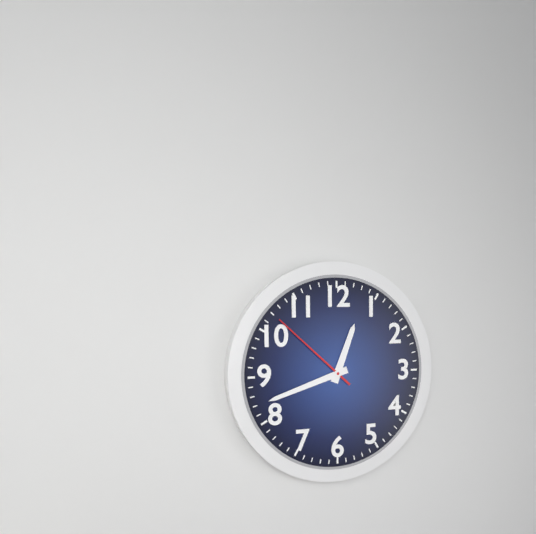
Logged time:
12,42,52
